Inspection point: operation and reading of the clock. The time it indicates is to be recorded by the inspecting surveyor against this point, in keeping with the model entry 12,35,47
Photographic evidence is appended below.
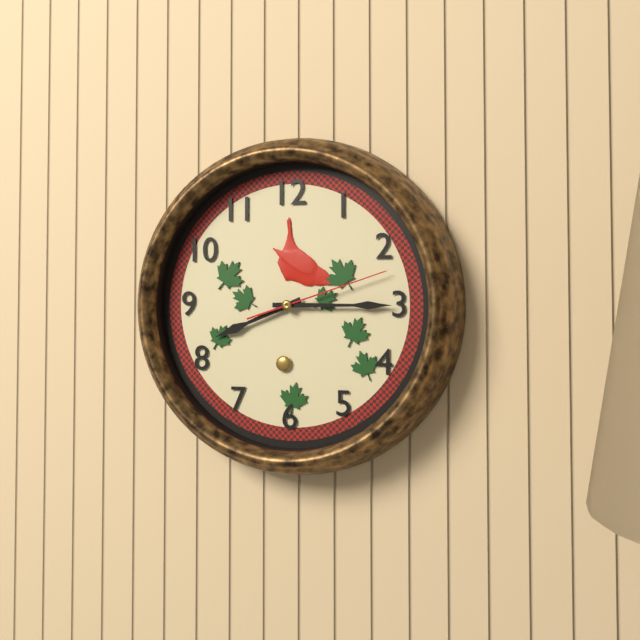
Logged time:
8,15,12
